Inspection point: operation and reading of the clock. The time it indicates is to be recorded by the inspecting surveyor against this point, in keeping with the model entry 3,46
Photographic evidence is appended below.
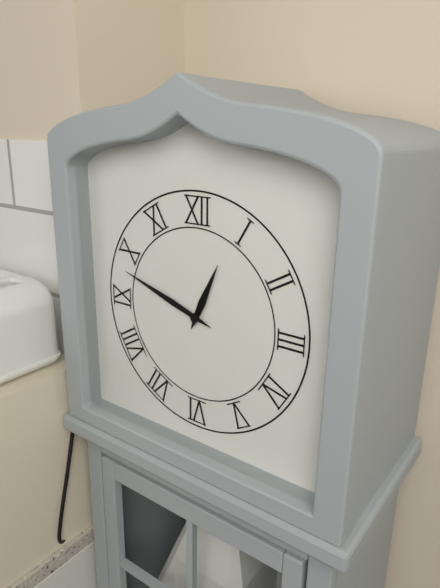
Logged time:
12,48
